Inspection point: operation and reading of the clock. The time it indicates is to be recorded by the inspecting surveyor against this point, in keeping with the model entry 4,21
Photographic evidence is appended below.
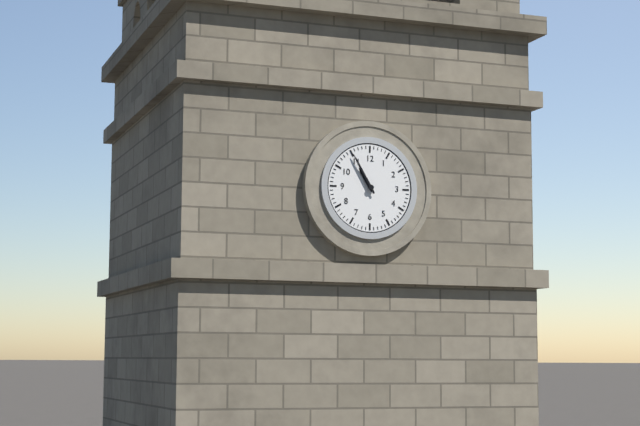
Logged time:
10,55
